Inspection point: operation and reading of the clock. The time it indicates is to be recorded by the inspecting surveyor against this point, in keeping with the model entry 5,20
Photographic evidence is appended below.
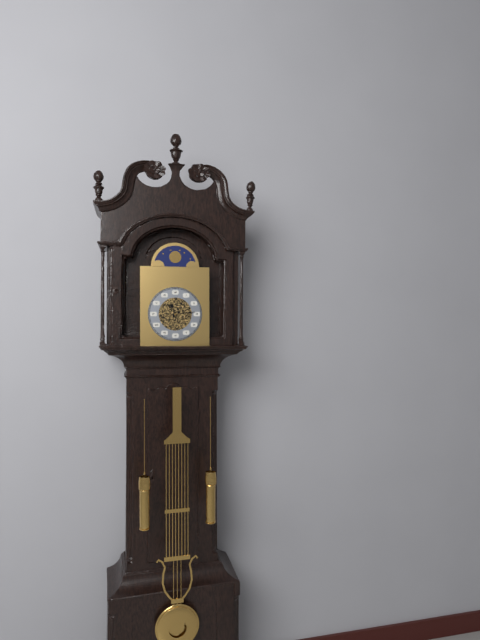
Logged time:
11,14
